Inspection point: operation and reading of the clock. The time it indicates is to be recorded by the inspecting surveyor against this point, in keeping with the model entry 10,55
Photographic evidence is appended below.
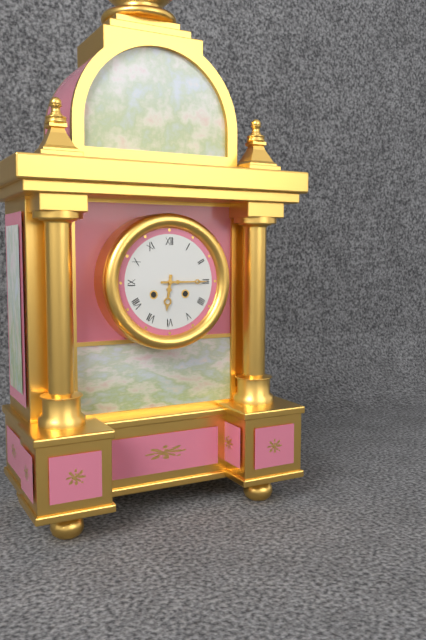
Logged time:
6,15
